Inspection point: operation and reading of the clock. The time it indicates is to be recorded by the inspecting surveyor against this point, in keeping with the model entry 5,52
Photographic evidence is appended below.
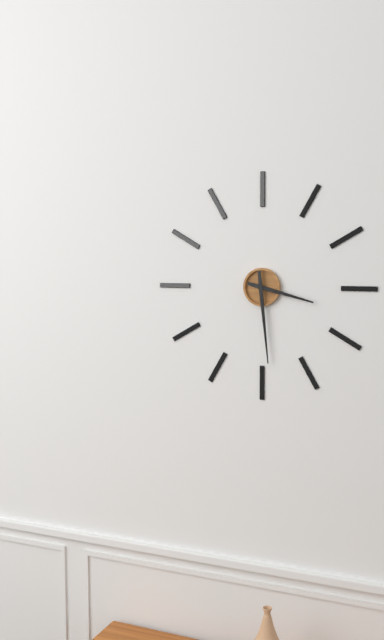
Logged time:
3,29
